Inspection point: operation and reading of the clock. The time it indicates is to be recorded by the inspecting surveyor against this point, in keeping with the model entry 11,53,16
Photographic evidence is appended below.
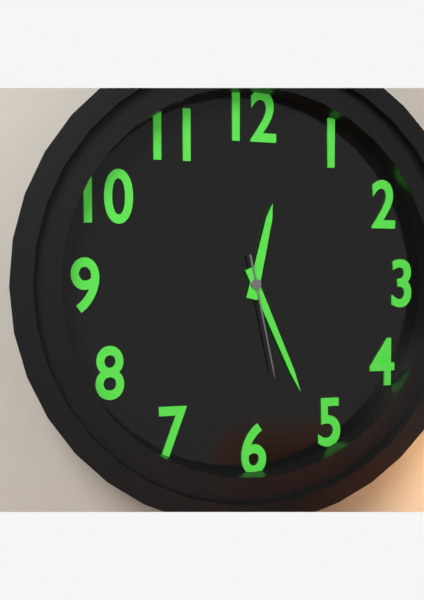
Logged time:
12,26,28
